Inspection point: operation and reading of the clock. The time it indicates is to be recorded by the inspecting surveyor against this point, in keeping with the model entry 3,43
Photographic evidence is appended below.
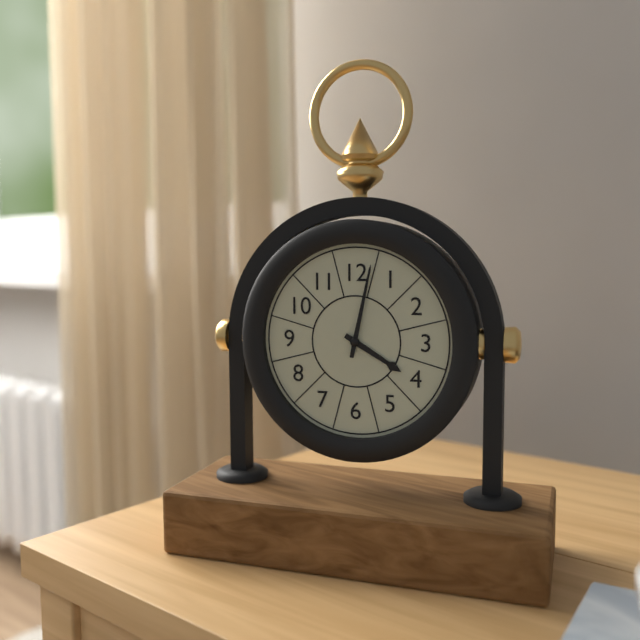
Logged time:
4,02
